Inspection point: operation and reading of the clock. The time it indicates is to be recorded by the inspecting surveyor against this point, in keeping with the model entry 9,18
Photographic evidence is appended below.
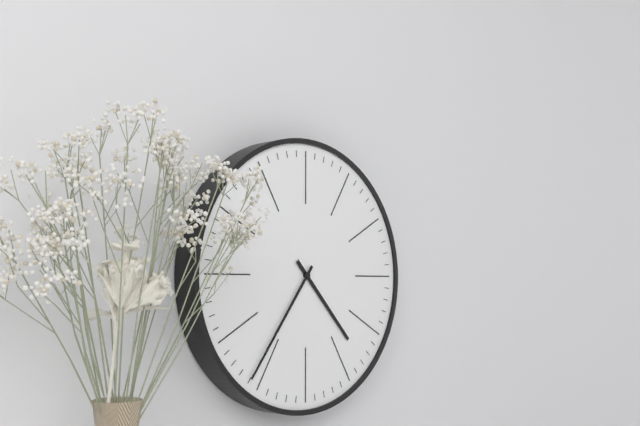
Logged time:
4,36
